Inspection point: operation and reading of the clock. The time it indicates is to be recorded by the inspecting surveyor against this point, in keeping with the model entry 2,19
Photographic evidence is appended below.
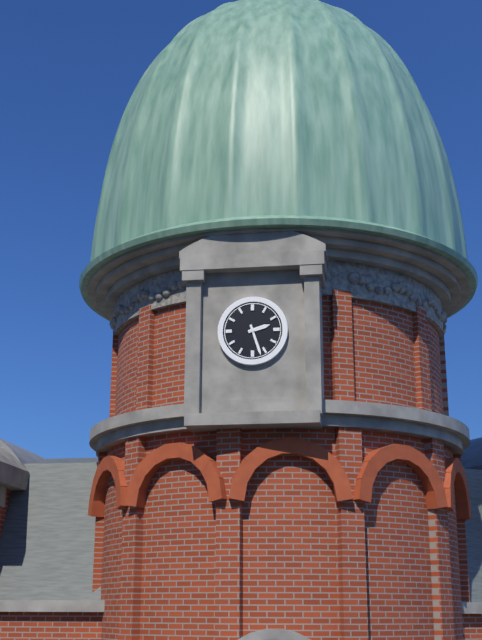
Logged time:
2,27
